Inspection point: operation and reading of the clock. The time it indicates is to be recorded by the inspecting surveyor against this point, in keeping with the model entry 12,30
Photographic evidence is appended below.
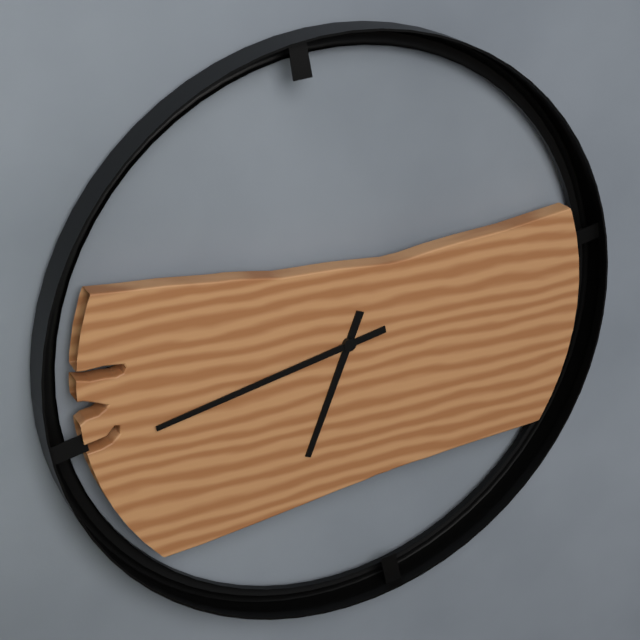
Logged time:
6,43
